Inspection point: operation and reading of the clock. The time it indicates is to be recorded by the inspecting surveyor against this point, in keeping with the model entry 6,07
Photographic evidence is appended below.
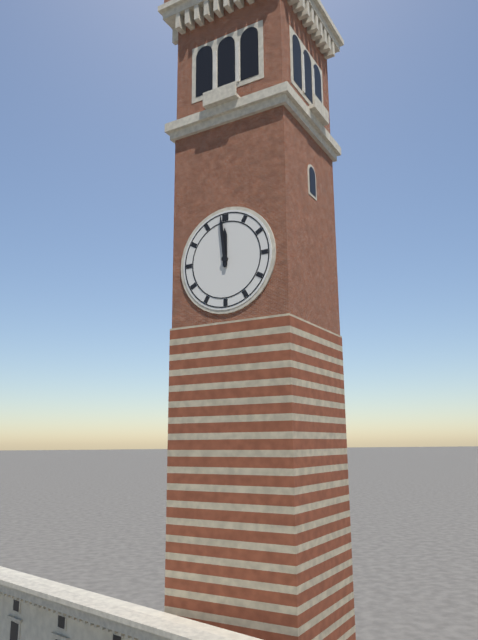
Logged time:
11,59
